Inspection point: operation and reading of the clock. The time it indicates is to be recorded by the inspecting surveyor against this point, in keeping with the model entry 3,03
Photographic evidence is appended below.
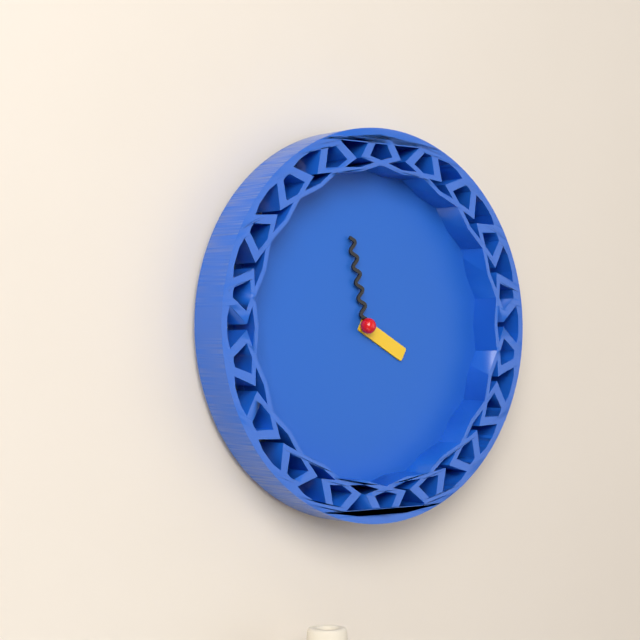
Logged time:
3,58
